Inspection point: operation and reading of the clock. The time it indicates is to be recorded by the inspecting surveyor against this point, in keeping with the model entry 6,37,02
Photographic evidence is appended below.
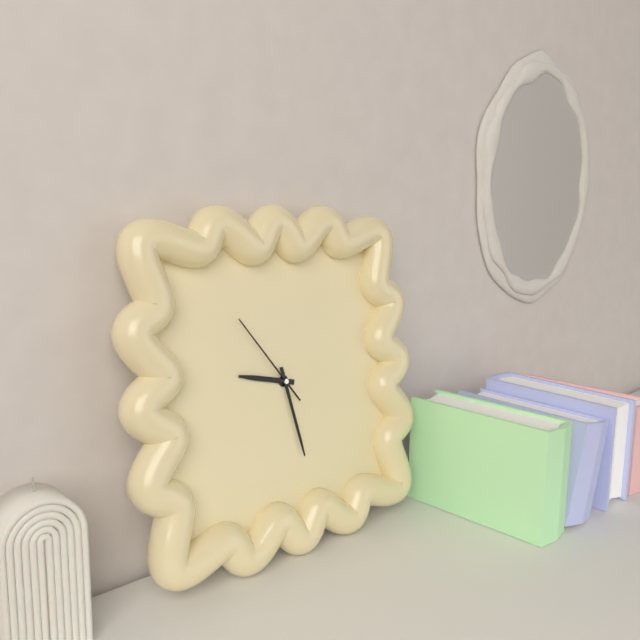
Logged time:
9,28,54
